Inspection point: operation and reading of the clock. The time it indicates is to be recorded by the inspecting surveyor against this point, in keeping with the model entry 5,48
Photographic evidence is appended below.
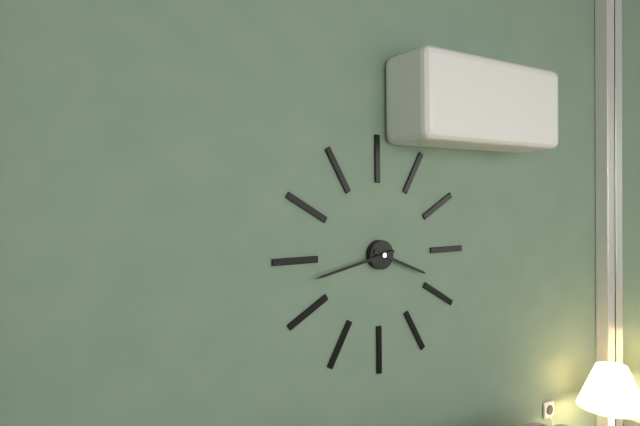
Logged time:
3,43
